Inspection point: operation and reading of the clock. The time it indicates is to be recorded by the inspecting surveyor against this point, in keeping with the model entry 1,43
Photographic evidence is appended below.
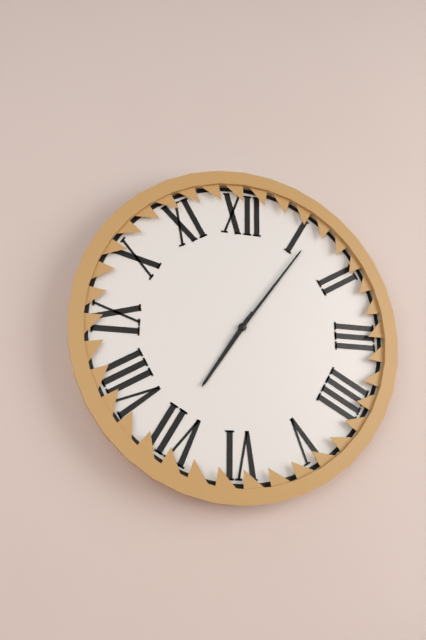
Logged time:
7,06
